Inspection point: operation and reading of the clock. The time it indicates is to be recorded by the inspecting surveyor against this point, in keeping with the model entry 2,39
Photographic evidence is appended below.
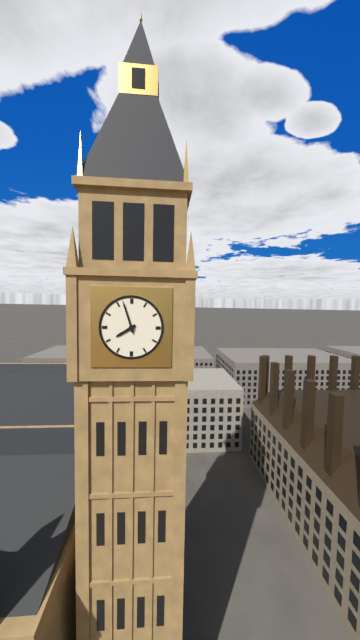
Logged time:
7,57
